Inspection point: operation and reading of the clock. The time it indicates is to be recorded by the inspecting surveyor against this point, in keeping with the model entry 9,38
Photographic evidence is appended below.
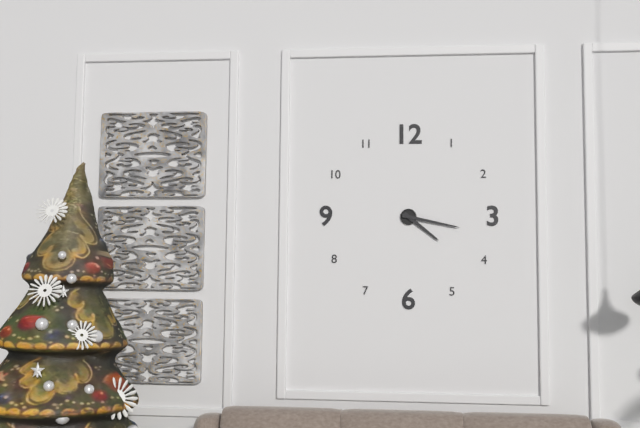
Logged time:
4,17
